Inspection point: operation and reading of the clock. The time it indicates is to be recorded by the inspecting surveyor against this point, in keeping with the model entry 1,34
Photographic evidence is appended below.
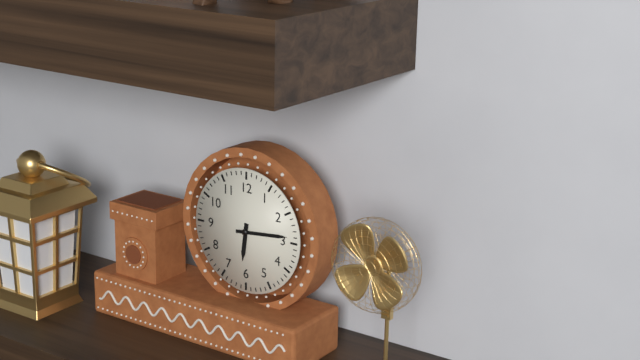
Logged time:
6,14
